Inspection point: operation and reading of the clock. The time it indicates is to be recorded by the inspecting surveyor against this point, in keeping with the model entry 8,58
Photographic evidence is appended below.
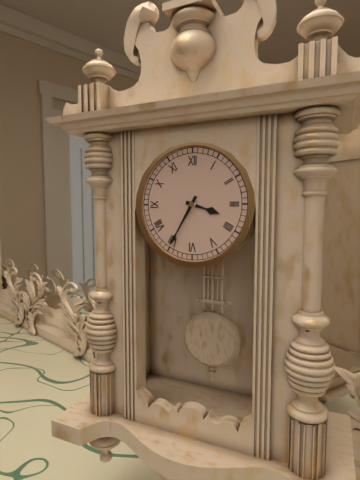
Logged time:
3,35
